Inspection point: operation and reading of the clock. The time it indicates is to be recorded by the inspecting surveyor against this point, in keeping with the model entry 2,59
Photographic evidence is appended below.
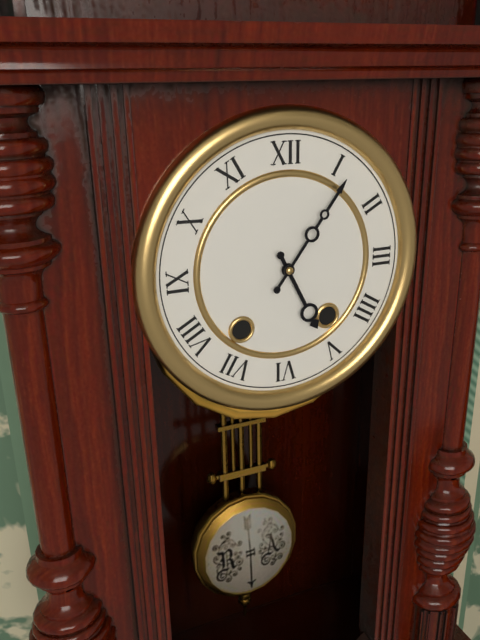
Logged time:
5,06
